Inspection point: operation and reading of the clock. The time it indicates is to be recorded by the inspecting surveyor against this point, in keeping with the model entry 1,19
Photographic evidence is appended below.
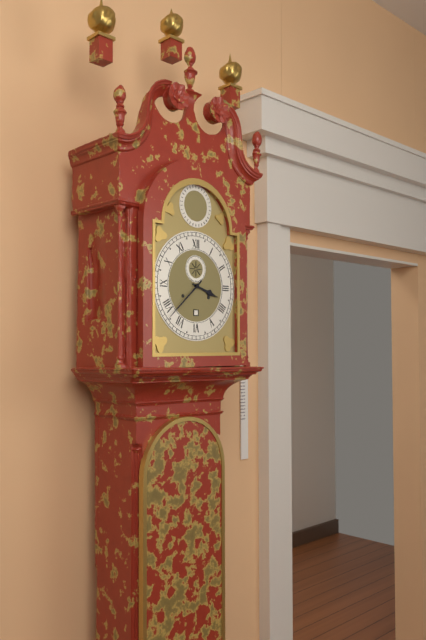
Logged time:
3,38
